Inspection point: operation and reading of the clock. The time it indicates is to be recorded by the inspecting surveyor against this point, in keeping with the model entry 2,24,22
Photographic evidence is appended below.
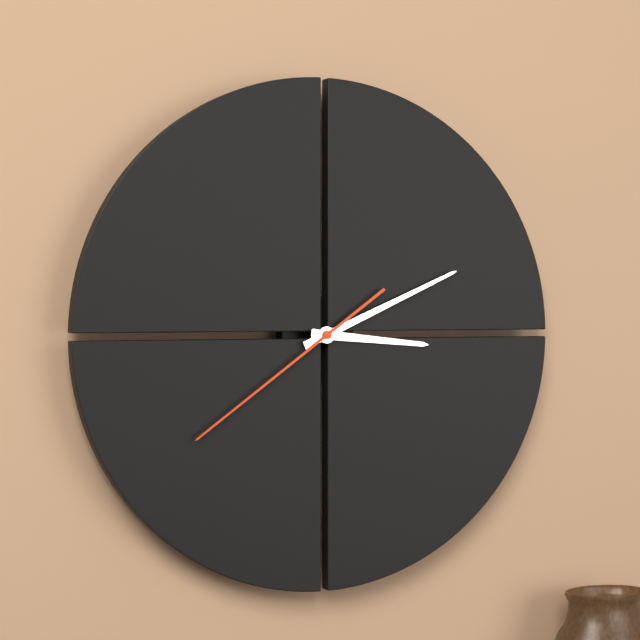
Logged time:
3,11,39
